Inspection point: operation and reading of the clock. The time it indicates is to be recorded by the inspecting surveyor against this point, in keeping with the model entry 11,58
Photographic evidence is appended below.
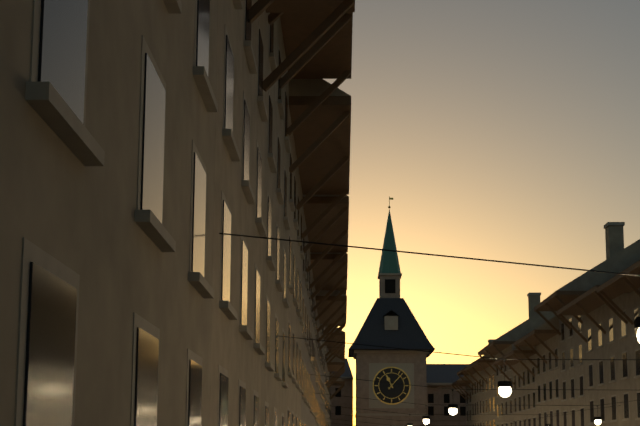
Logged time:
11,07
